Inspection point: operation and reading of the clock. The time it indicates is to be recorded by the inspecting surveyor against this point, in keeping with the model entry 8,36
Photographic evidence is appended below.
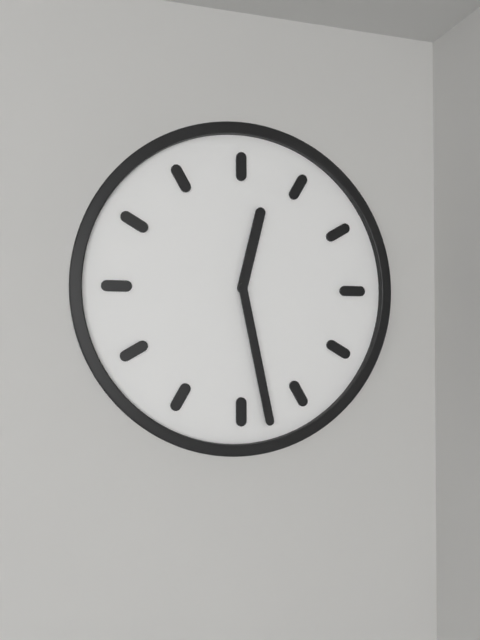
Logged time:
12,28
